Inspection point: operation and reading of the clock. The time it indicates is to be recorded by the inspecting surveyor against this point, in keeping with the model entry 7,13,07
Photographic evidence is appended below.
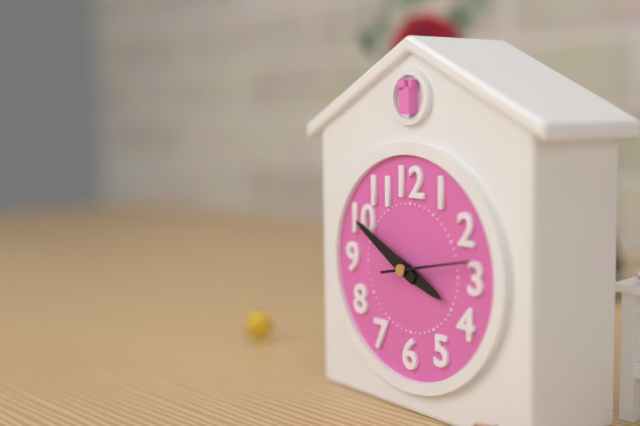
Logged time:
3,50,13
